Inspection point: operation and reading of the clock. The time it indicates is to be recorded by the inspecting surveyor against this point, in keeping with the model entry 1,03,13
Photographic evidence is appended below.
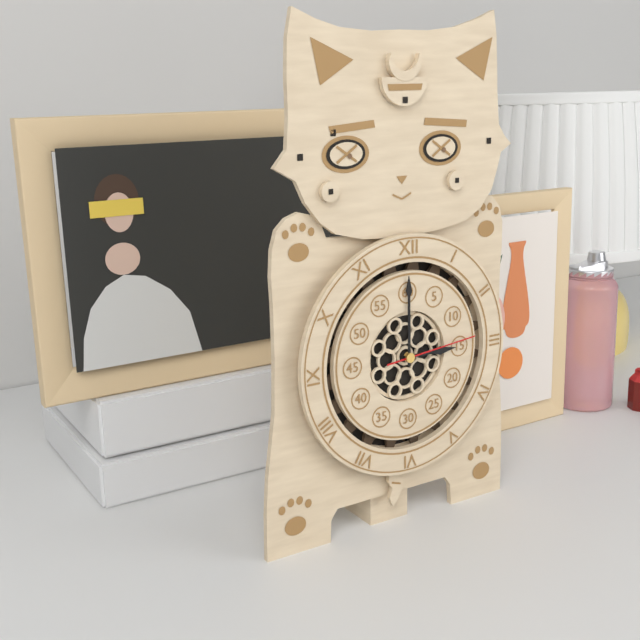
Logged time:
3,00,14
